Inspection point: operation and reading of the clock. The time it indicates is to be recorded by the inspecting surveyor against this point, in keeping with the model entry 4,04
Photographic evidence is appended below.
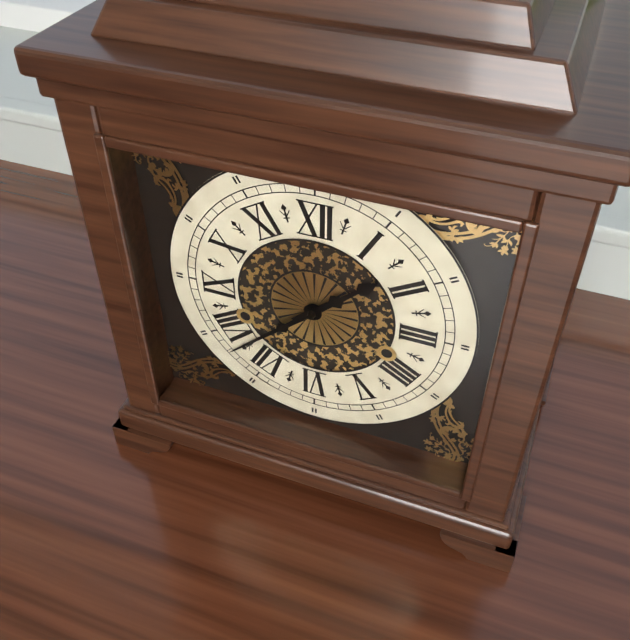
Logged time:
1,38
